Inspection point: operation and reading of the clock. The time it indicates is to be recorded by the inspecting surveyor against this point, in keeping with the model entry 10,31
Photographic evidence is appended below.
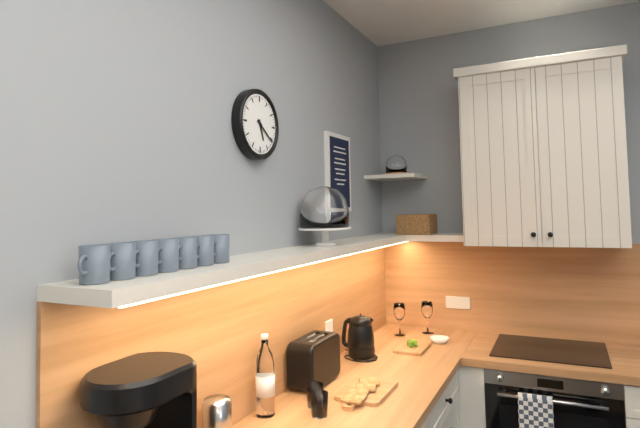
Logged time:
5,21
